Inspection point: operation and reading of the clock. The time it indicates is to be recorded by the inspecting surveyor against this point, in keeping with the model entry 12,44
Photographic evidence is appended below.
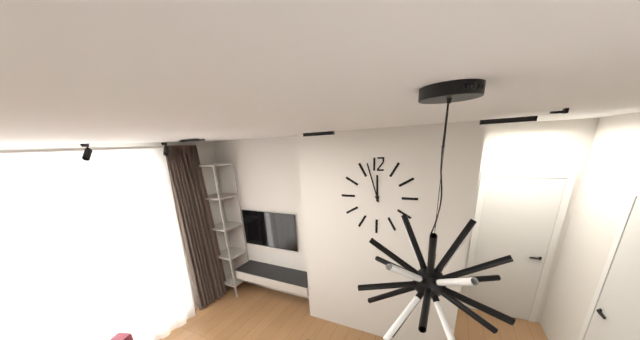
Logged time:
11,57
